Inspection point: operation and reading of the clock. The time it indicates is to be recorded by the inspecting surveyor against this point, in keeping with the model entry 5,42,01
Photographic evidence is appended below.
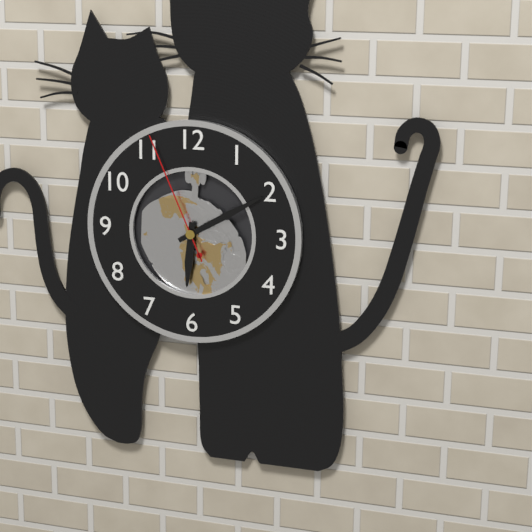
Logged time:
6,10,56
